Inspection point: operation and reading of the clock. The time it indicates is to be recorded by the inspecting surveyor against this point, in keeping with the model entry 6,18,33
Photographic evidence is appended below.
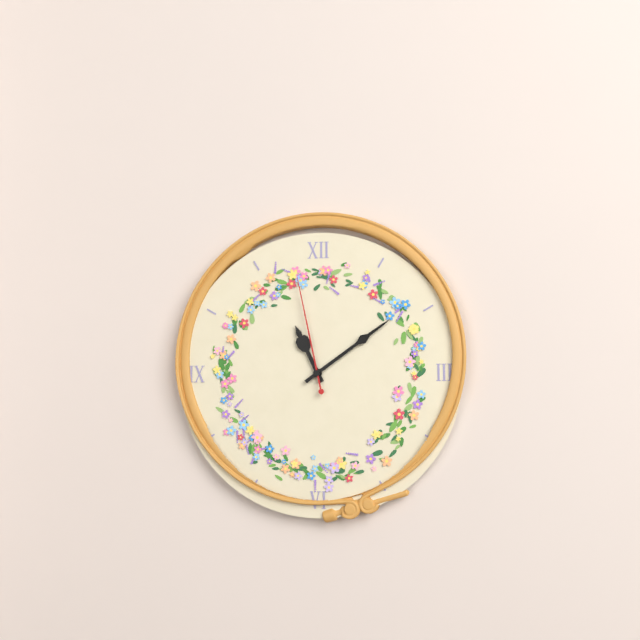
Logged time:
11,09,58
